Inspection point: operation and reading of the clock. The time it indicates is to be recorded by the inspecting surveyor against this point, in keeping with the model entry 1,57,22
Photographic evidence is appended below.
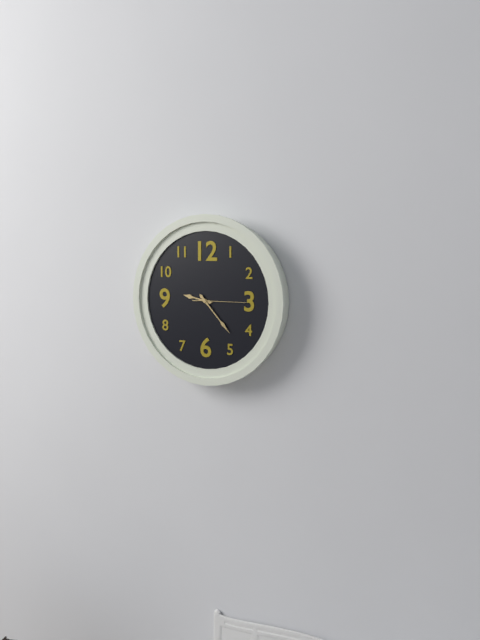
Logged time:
9,23,15
